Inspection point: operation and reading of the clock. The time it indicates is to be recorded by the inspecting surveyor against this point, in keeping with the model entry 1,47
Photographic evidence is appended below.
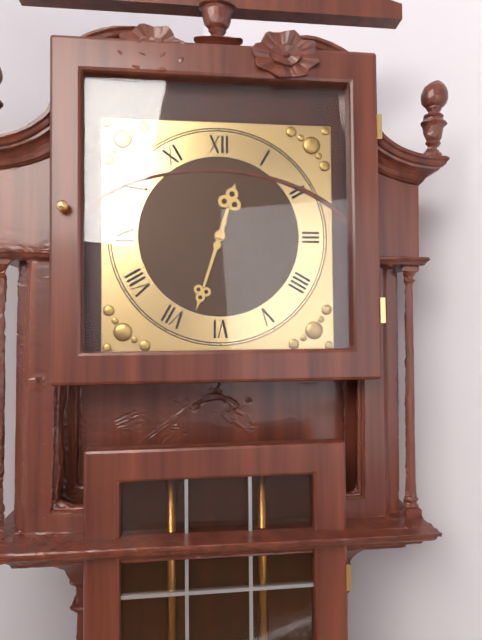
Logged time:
12,33
